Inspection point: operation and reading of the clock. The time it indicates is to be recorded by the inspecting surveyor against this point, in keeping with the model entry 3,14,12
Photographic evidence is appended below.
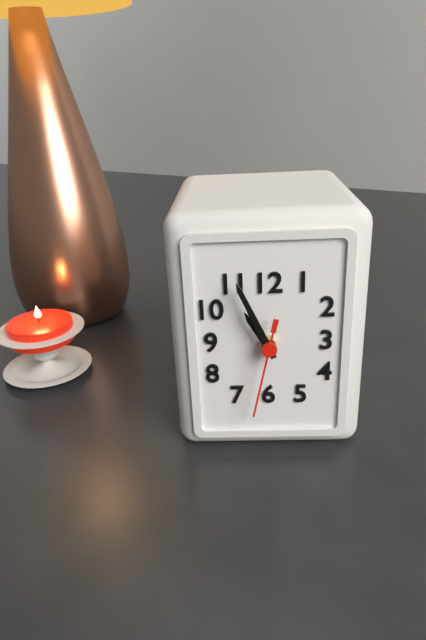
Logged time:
10,56,32
